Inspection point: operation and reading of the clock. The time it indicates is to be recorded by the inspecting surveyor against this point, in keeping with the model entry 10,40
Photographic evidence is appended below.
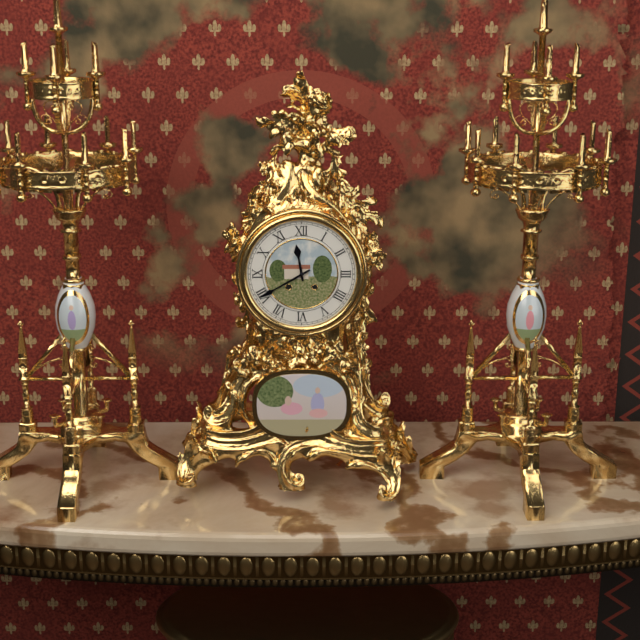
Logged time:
11,40
